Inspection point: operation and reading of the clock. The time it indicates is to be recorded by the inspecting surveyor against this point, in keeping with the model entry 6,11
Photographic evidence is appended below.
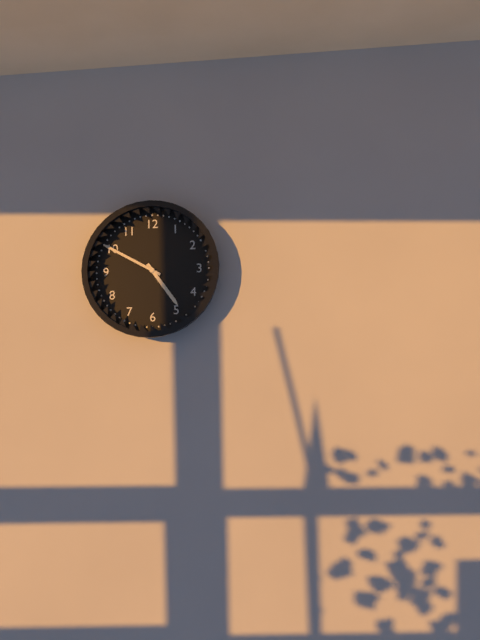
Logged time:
4,50
